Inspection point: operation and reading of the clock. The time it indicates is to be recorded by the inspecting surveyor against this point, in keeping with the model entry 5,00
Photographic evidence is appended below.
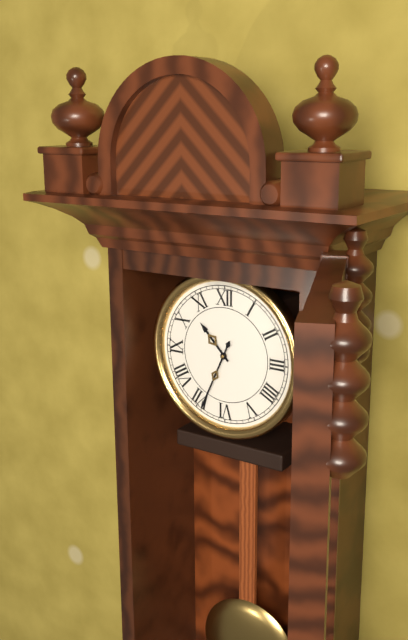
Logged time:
10,34
